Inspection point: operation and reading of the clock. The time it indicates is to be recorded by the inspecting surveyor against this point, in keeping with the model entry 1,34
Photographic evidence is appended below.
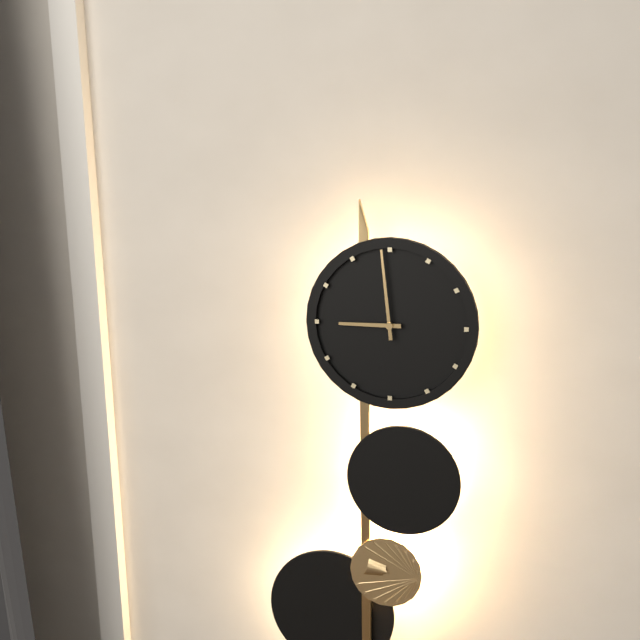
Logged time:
8,59
